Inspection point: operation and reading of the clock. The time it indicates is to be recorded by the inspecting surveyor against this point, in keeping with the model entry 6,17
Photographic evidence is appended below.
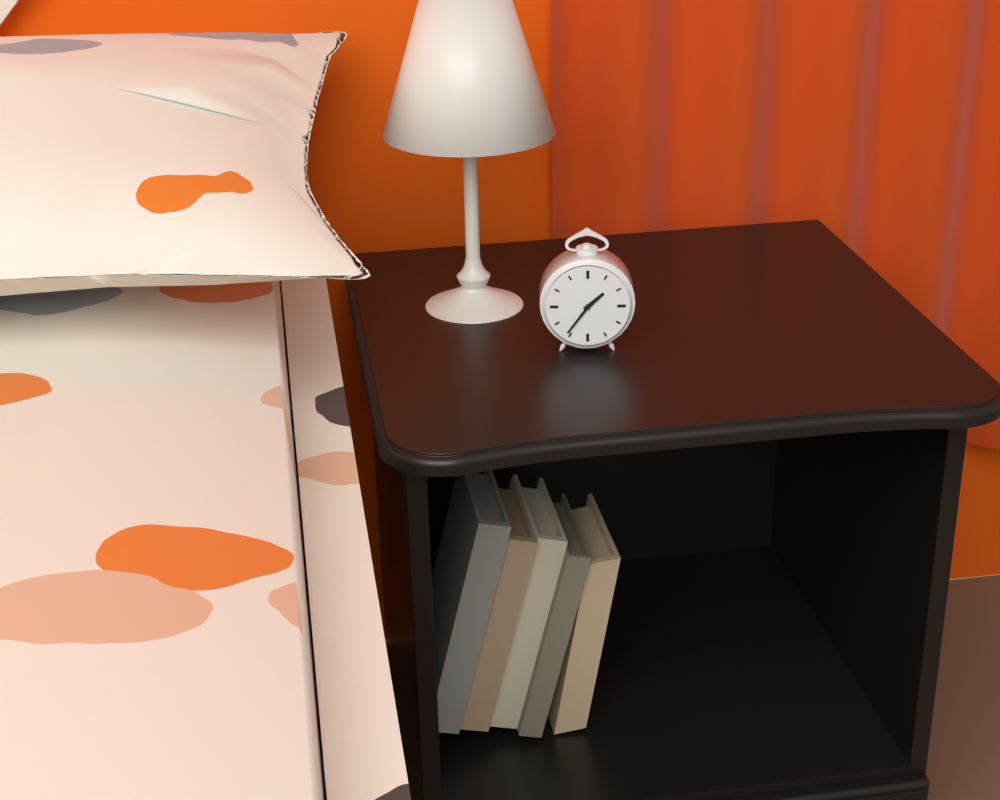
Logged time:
1,36
